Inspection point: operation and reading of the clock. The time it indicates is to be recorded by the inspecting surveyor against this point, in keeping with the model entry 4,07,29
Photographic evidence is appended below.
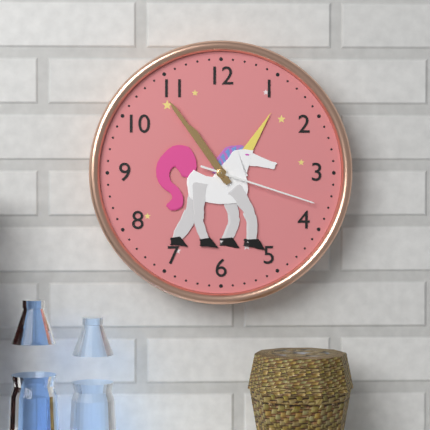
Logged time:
10,54,18
